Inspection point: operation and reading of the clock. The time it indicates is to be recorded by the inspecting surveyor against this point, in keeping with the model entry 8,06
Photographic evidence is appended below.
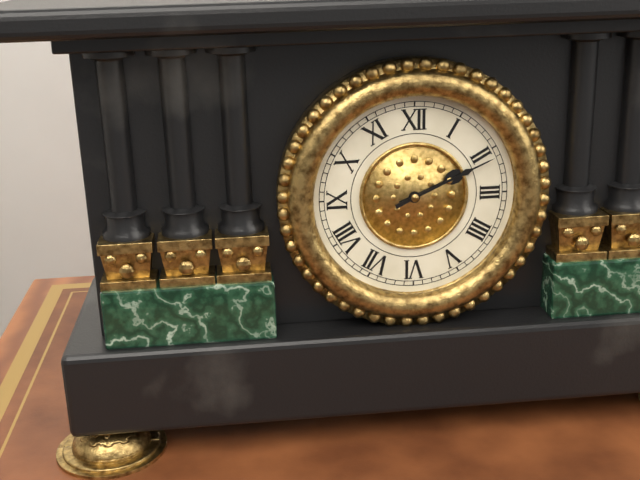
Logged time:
2,11
